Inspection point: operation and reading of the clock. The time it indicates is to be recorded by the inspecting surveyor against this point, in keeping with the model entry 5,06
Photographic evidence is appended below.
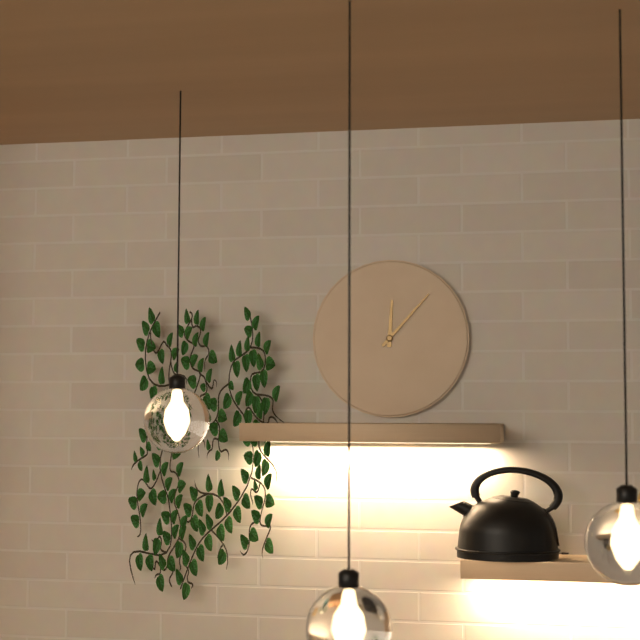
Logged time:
12,07
